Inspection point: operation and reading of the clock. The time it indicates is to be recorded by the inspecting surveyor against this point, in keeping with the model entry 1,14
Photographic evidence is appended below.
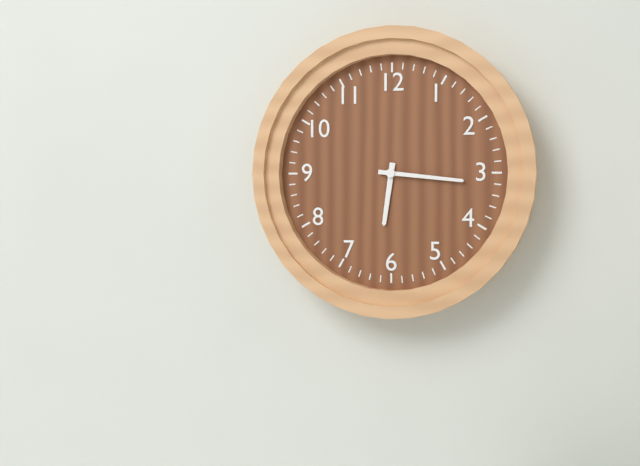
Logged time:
6,16
